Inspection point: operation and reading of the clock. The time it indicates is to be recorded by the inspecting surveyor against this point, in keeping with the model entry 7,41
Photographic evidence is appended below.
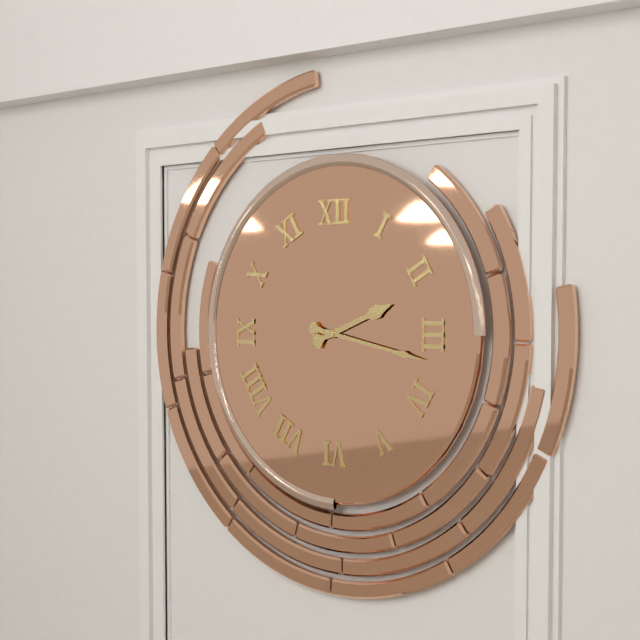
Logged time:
2,17
